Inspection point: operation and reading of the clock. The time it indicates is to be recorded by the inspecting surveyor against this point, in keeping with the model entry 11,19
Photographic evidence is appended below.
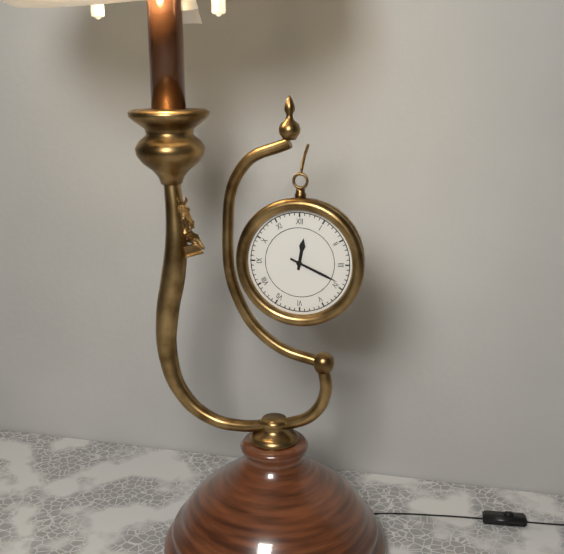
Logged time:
12,19
